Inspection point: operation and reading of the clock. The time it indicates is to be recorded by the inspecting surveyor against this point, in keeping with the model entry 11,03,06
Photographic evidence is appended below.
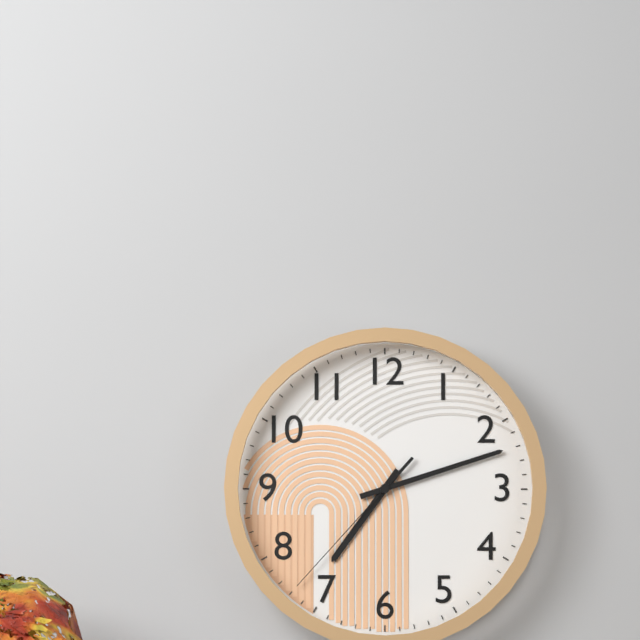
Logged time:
7,12,37
